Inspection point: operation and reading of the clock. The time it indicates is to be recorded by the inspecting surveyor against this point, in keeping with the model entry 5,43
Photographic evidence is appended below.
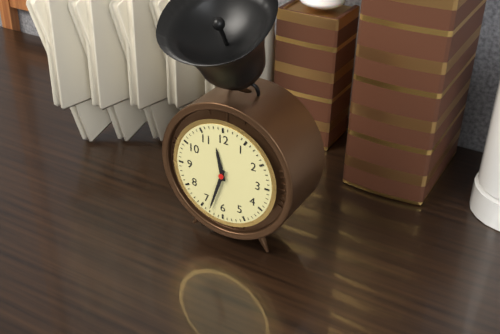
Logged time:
11,33
